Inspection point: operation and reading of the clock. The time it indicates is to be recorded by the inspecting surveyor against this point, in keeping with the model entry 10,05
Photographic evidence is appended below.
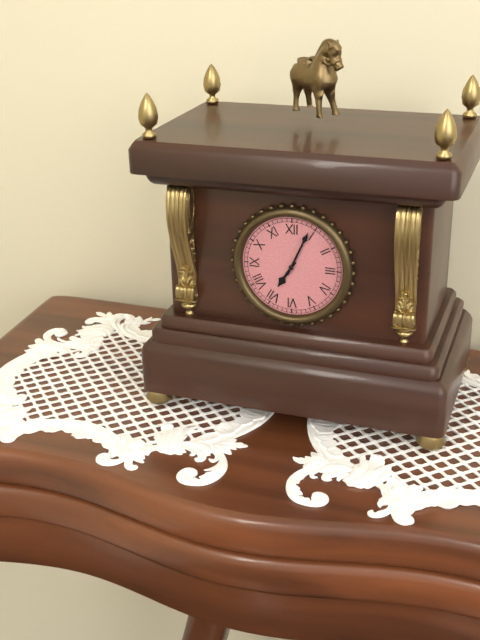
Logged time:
7,04
